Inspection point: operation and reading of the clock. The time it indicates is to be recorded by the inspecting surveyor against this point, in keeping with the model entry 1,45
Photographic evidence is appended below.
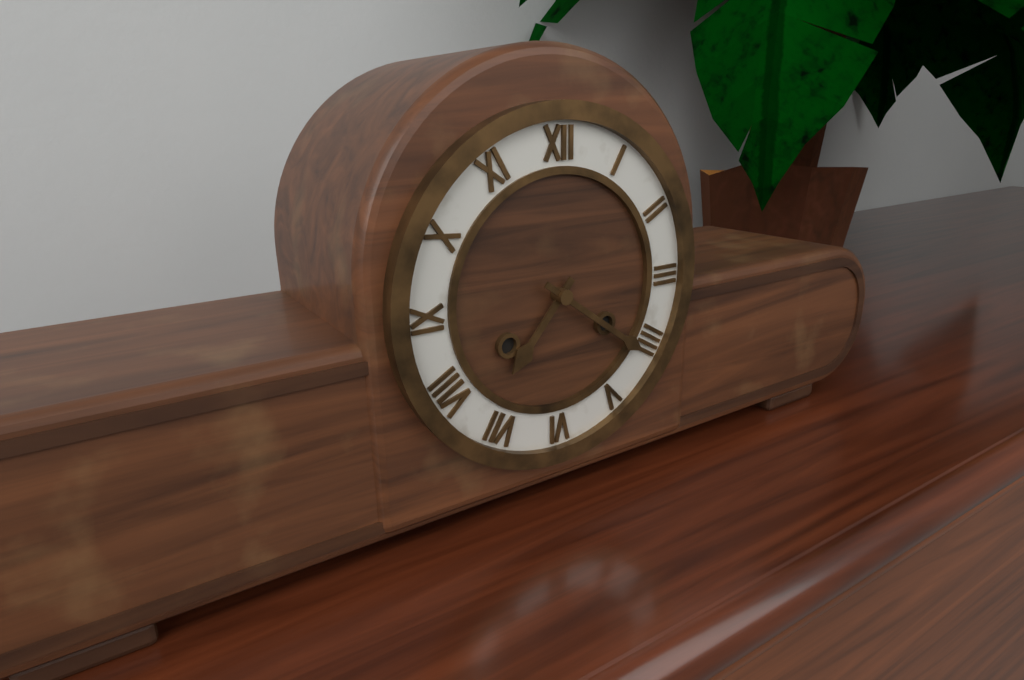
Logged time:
7,21
